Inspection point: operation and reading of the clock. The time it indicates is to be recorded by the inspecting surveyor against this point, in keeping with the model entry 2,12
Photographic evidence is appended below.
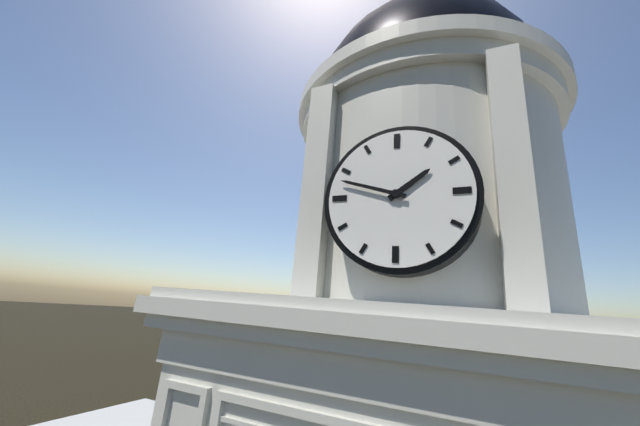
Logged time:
1,48
